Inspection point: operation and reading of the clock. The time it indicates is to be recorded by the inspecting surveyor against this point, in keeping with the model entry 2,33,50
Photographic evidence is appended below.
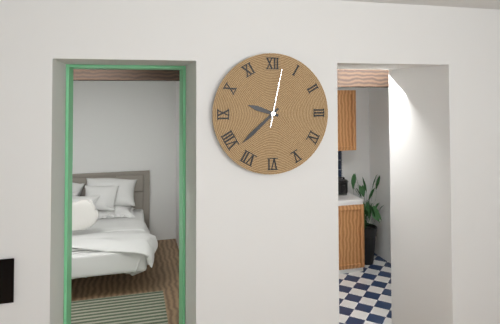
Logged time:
9,38,02
